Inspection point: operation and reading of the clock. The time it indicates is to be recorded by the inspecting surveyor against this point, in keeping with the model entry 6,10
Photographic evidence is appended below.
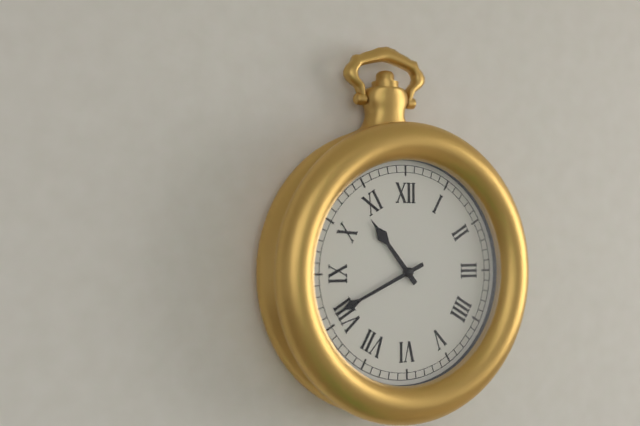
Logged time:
10,41
